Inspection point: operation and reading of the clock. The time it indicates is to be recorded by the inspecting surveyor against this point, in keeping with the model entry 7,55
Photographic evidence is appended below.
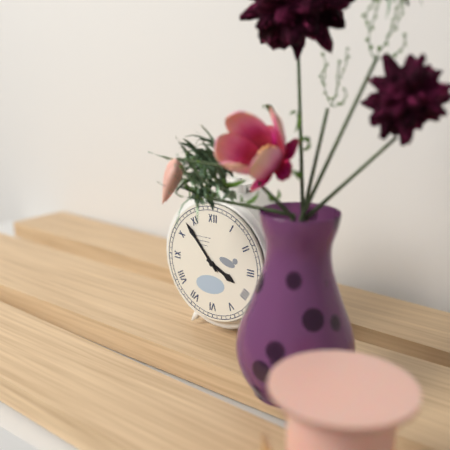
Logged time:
3,53
